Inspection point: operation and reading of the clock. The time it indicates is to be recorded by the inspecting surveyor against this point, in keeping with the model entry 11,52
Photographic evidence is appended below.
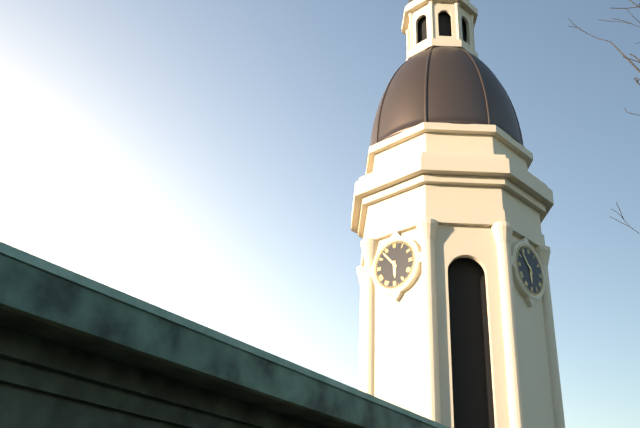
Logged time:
5,53
